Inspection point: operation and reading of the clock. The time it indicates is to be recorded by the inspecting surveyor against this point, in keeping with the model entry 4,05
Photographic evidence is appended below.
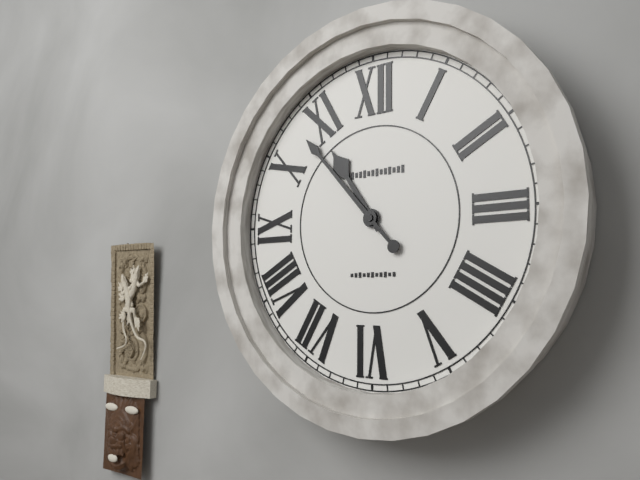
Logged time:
10,53
